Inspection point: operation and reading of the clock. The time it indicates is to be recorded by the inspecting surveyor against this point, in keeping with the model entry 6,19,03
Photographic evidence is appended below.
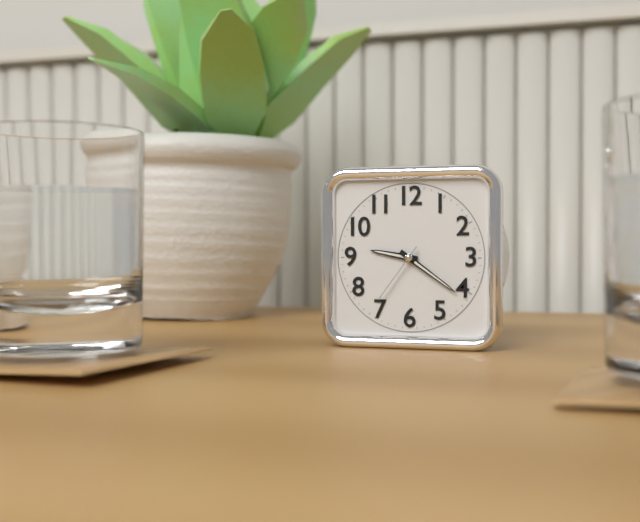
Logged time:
9,21,36
